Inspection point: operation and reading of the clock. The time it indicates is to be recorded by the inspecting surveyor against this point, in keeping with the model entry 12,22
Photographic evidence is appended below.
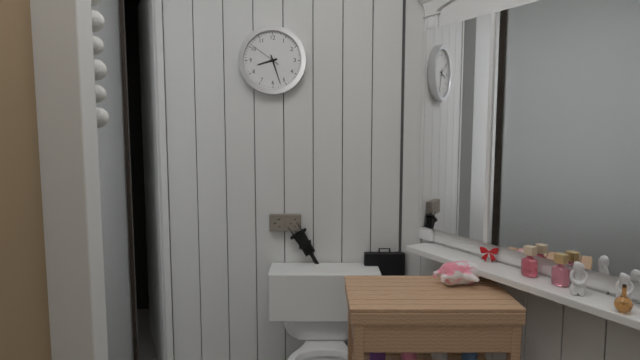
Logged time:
8,27
